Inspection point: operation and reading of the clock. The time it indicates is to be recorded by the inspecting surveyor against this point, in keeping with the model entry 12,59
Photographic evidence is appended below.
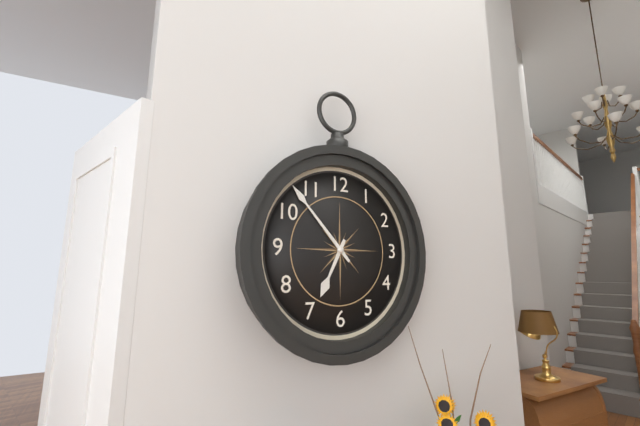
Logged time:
6,53
